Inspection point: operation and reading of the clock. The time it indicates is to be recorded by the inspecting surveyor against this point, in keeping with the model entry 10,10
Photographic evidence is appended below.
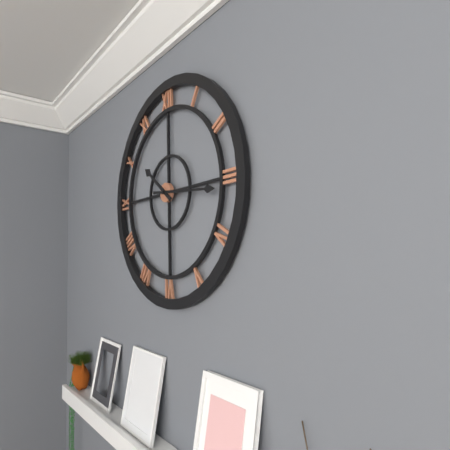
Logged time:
10,16
